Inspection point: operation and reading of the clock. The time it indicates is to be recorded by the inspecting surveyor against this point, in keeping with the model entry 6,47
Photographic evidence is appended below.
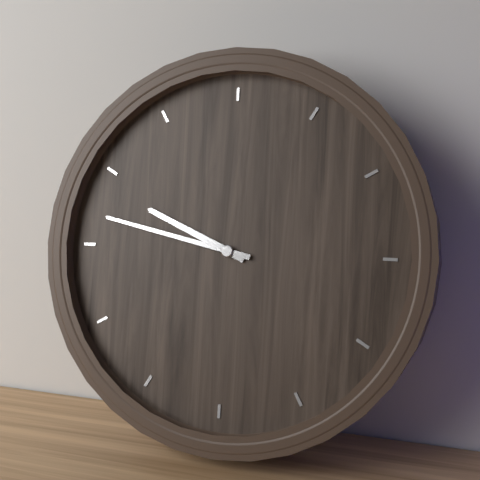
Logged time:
9,47
